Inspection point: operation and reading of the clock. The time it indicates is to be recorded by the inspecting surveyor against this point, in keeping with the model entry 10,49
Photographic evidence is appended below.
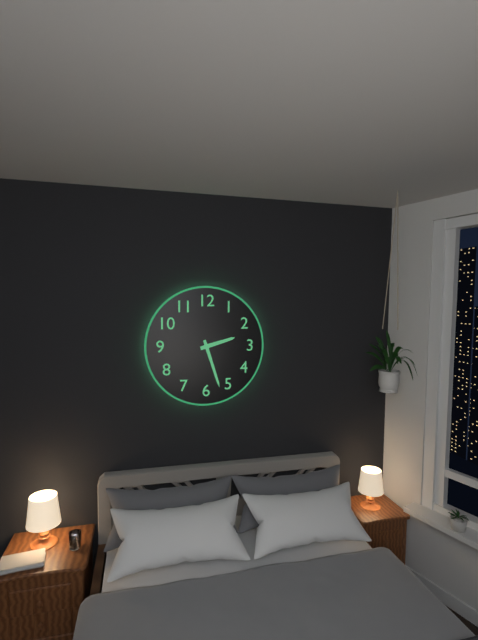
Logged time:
2,27
